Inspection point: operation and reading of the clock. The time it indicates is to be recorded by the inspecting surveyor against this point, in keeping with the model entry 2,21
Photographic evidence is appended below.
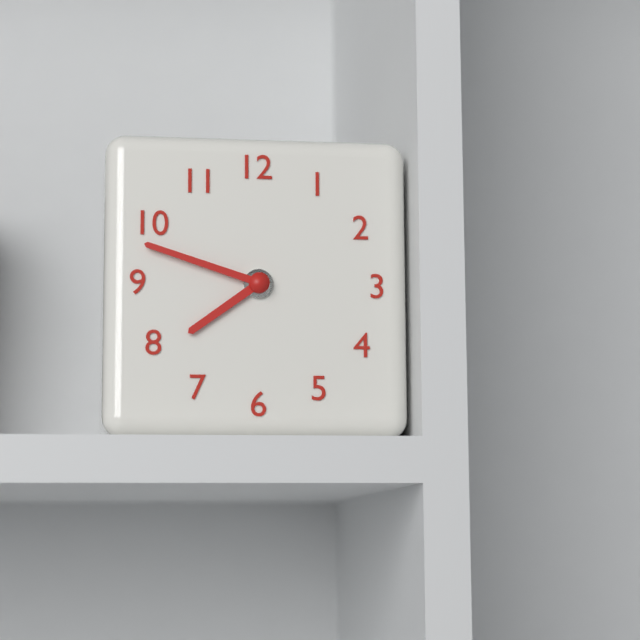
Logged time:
7,48
